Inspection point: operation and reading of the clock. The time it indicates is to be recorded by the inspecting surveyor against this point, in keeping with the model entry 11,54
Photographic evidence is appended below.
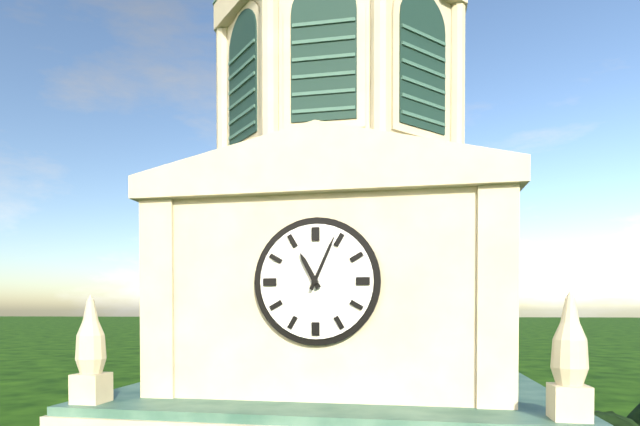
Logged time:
11,04
